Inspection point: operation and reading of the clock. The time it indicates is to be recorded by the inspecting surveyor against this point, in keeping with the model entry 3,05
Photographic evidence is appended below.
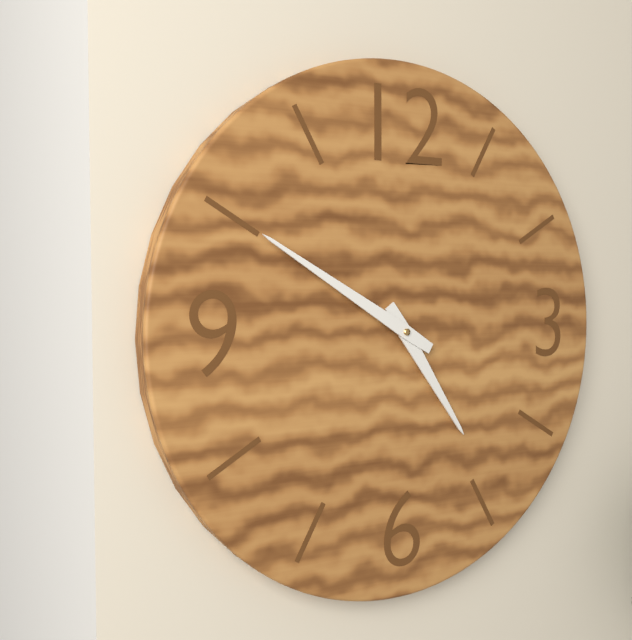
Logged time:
4,50
